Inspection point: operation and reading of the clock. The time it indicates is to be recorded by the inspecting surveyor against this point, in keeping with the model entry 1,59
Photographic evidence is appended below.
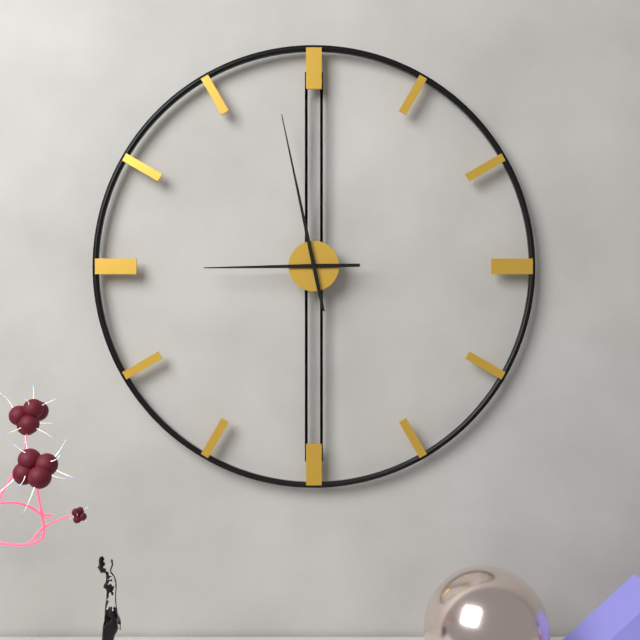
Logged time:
8,58
